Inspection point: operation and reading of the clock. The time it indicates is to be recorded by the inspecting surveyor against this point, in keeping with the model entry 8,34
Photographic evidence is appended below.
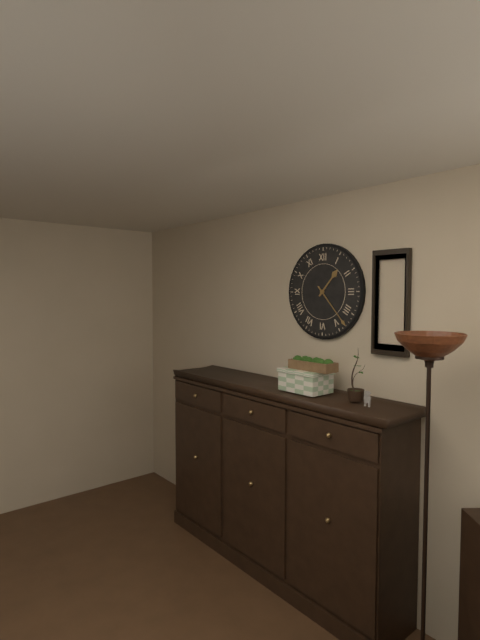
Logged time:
1,23
